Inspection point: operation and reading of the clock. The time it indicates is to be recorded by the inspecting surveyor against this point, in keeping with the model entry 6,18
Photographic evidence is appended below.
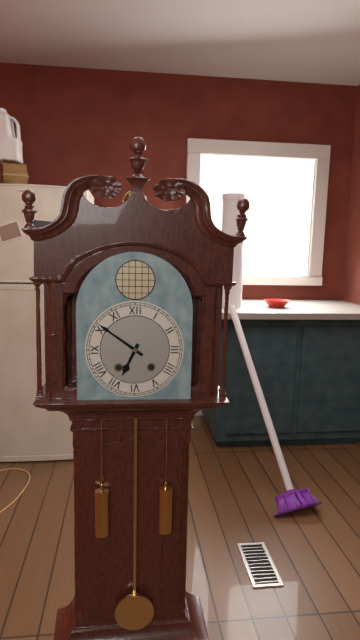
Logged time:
6,51
